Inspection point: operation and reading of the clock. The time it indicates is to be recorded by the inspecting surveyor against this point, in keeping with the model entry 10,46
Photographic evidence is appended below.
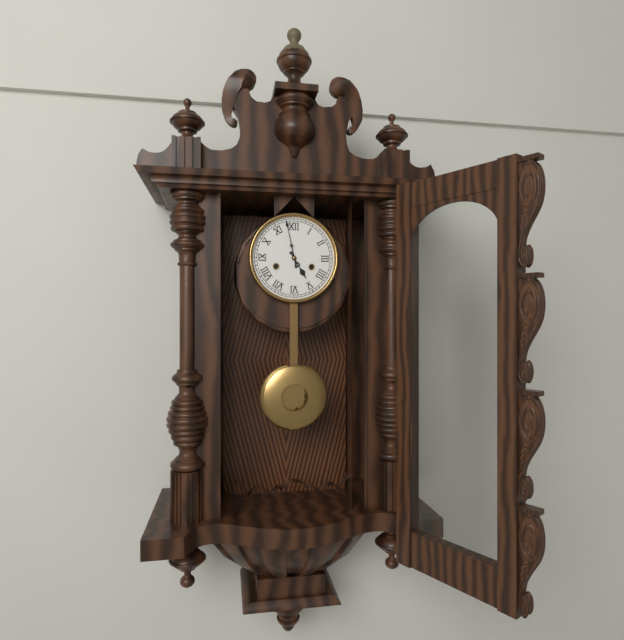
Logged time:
4,58
